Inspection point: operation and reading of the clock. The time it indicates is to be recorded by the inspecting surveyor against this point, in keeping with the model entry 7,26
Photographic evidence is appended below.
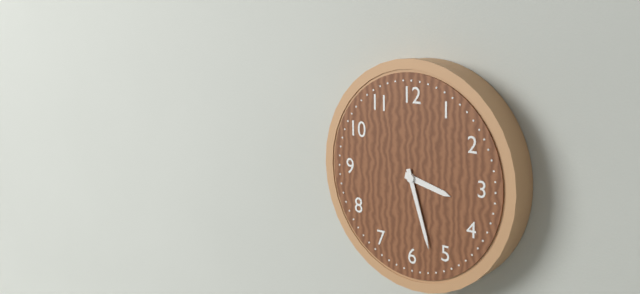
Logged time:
3,27
